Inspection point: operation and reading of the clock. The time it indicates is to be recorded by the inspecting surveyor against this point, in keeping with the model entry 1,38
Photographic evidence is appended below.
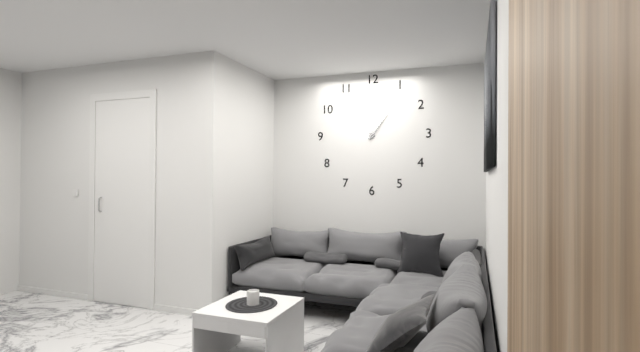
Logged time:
1,06
